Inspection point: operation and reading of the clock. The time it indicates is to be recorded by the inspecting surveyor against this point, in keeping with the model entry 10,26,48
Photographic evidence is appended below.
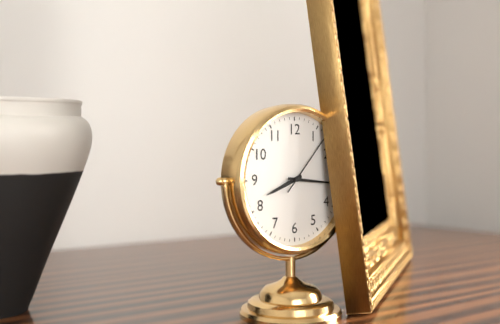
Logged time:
8,16,07
